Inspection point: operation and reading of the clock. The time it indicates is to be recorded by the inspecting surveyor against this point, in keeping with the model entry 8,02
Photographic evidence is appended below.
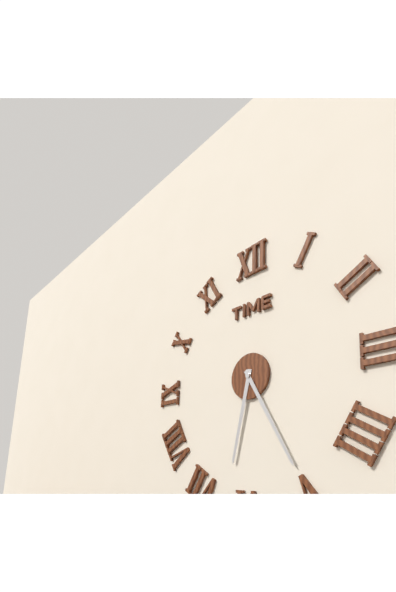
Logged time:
6,25
